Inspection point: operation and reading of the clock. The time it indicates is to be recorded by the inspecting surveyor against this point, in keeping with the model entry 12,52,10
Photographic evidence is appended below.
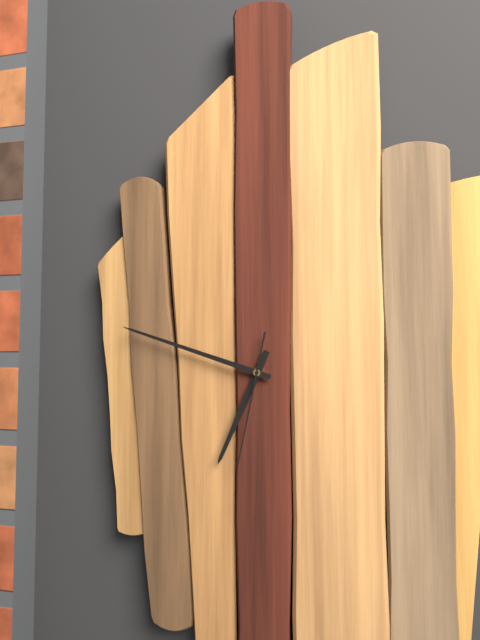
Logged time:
6,48,32
